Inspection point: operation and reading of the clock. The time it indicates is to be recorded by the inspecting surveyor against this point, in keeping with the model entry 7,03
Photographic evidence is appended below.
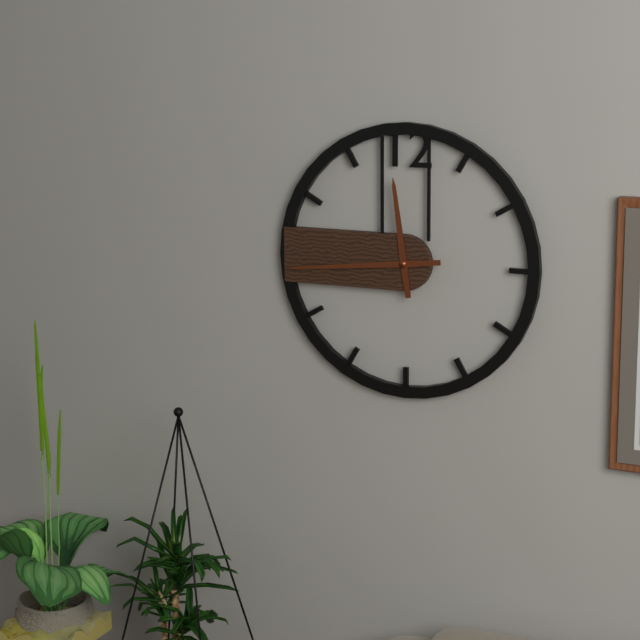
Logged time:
11,44
